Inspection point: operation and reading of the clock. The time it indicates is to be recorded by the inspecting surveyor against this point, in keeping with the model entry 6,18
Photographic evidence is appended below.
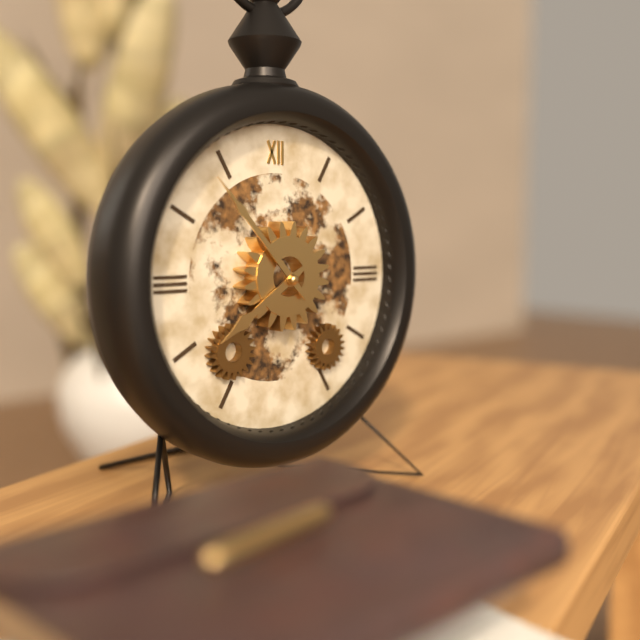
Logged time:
7,53
